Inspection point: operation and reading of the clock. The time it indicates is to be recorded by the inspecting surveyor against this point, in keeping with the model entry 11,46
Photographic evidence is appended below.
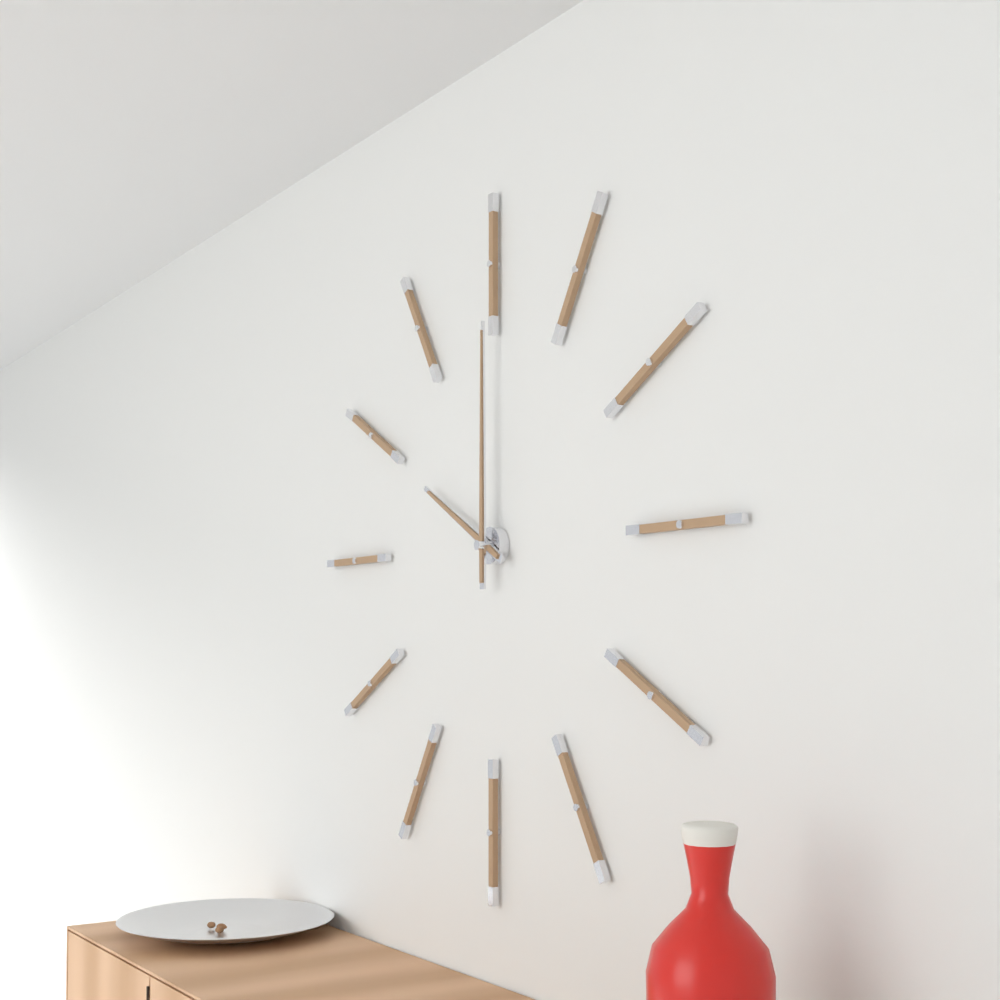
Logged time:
10,00
